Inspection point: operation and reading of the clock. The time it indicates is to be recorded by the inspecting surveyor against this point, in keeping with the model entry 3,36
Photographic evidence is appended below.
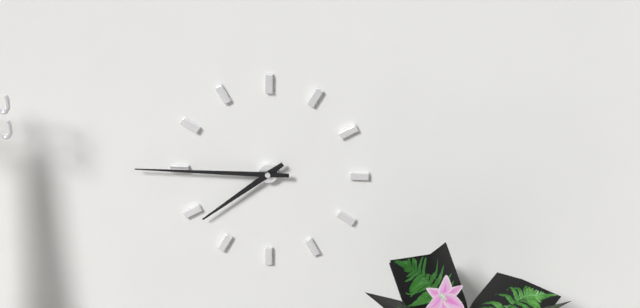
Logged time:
7,45
